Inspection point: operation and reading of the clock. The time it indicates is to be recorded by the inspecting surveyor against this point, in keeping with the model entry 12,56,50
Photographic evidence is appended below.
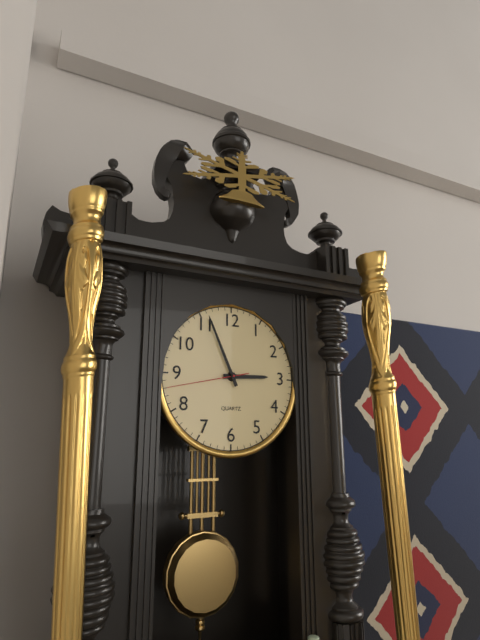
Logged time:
2,56,43
